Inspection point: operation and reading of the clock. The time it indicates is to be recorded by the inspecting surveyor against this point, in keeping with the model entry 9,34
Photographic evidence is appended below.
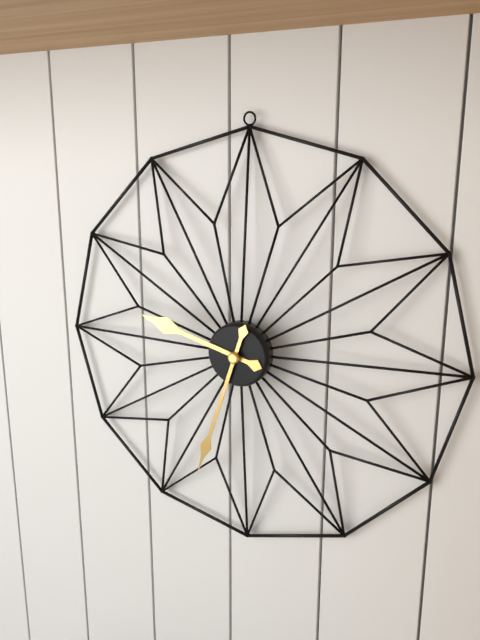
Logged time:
9,33
